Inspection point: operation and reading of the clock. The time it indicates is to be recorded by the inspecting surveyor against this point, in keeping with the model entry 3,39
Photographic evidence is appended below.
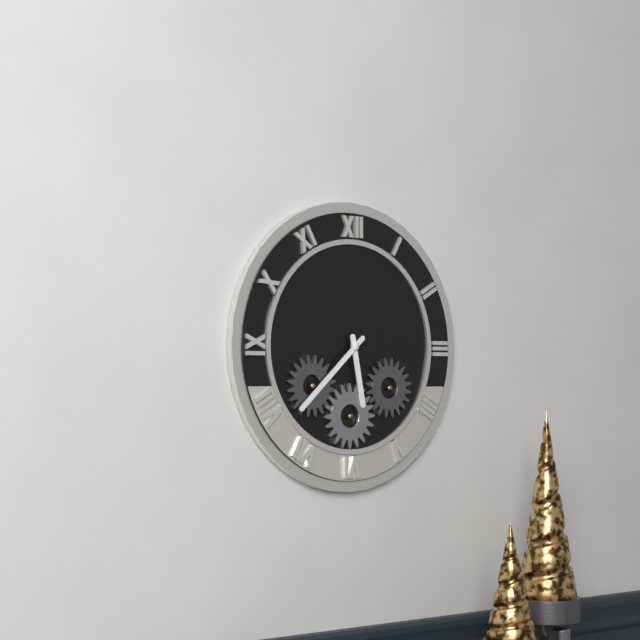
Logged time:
5,38
